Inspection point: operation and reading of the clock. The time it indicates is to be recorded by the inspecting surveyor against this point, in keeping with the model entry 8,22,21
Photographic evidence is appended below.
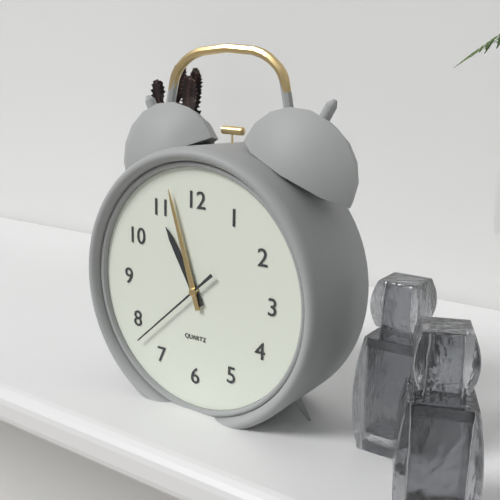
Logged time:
10,57,38
